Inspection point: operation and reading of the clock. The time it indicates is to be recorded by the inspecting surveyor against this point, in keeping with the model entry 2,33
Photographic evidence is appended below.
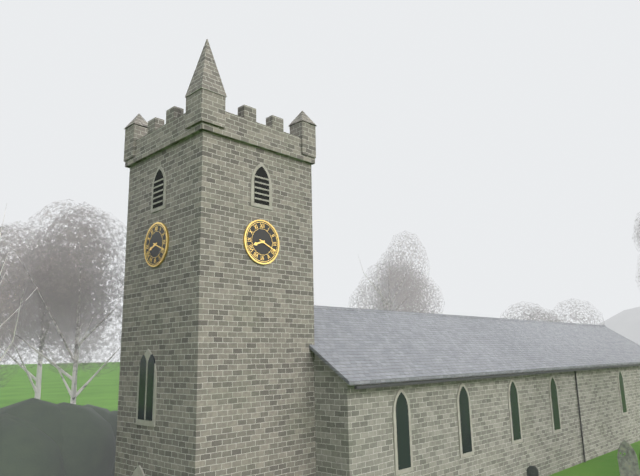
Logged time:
8,19
